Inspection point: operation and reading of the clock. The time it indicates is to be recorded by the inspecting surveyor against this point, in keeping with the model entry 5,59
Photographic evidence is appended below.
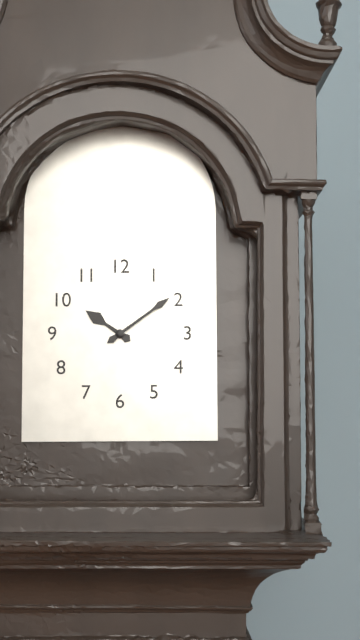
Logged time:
10,09
